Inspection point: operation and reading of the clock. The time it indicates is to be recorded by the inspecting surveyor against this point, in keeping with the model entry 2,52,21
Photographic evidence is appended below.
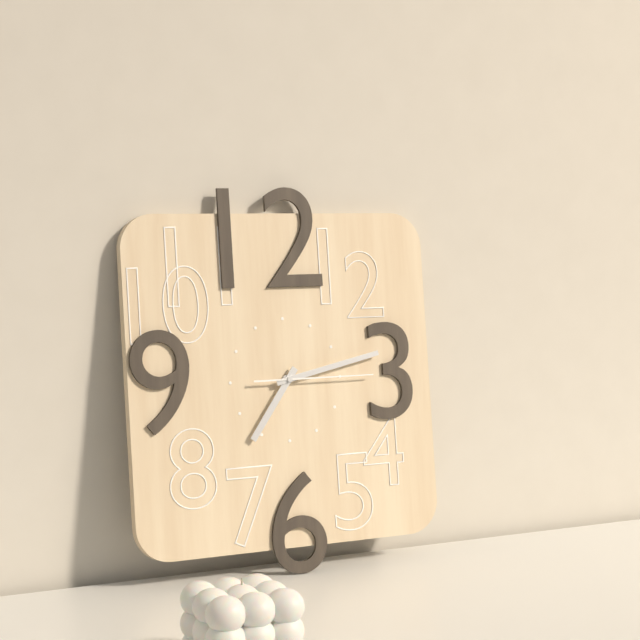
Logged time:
7,13,15
